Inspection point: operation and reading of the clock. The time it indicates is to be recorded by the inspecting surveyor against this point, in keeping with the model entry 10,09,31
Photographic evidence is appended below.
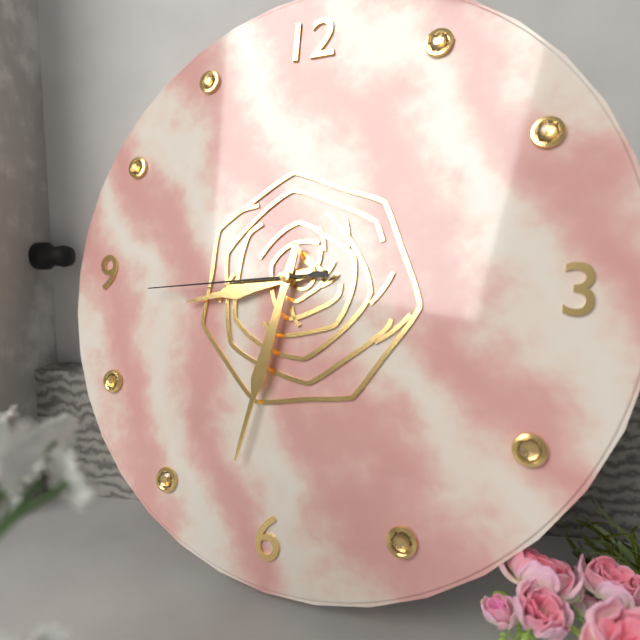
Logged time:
8,32,44
